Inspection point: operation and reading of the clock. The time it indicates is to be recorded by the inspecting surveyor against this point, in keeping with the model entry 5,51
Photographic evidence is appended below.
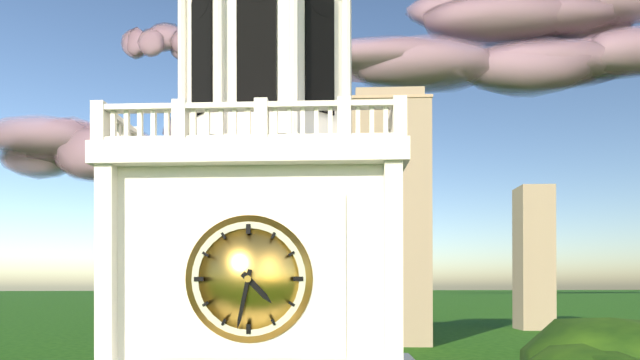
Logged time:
4,32
